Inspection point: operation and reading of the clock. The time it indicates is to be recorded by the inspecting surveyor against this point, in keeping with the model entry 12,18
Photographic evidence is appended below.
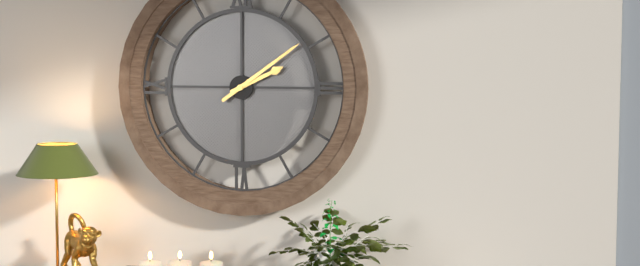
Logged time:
2,09
